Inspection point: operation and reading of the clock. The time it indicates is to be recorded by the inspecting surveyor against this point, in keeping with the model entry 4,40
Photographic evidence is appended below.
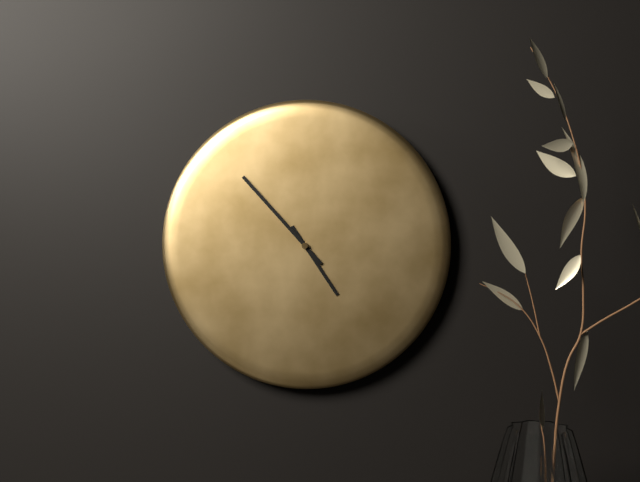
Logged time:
4,53
